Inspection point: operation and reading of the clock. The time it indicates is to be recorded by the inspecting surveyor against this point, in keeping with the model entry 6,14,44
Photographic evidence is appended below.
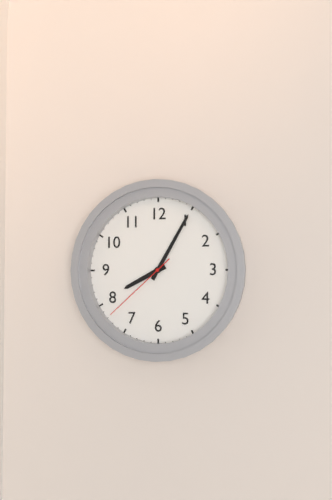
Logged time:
8,05,38
